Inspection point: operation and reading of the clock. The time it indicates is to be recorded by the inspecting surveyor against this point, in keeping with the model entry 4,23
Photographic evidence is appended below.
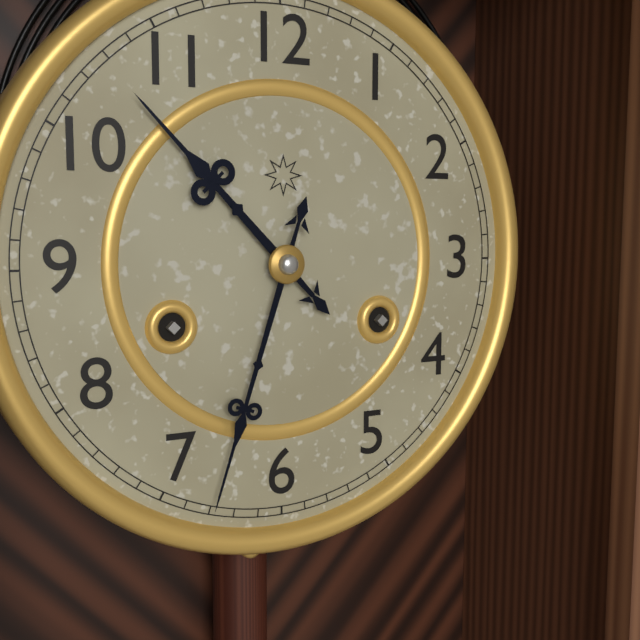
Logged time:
10,33
